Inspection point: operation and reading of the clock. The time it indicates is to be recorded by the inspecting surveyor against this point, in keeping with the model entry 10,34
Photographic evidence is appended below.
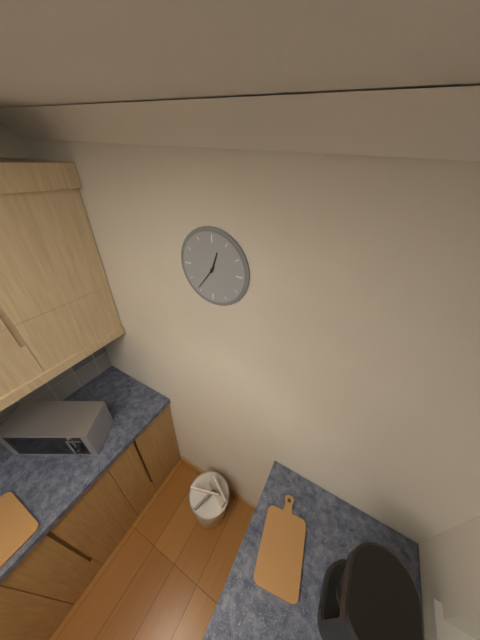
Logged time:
12,36
